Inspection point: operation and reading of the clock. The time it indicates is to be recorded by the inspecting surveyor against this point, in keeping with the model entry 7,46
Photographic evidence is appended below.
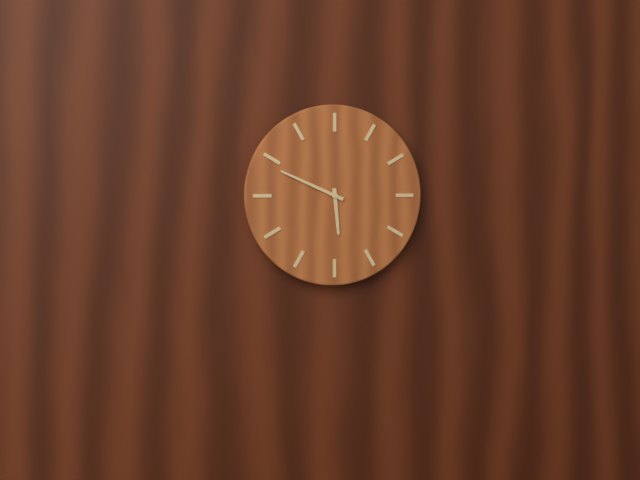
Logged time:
5,49
